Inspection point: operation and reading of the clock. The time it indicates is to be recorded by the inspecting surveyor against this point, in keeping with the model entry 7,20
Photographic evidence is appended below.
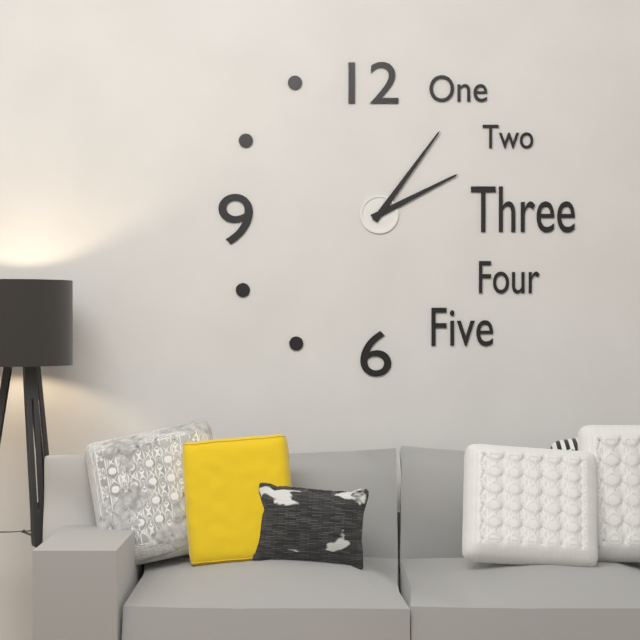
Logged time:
2,06
